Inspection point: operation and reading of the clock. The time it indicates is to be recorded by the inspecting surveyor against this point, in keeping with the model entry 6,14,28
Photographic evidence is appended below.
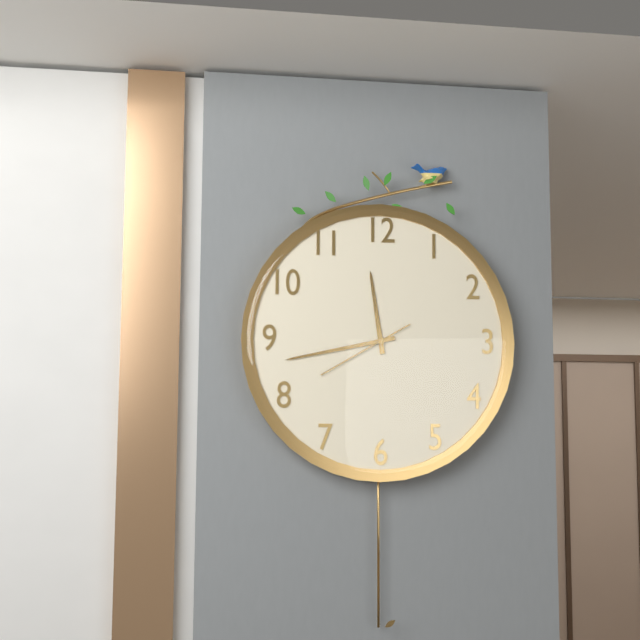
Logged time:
11,43,40
